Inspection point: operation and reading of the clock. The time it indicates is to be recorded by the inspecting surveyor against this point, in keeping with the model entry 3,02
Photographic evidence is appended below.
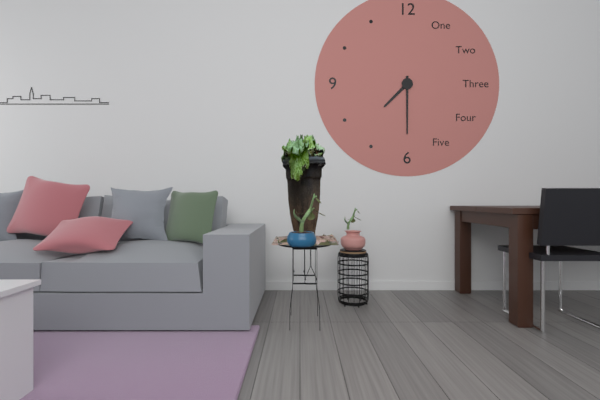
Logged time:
7,30
